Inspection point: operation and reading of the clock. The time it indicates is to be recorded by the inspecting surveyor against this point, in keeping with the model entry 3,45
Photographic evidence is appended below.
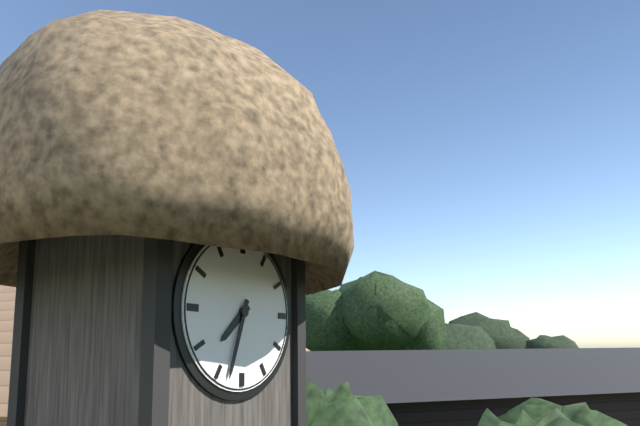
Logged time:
7,33
